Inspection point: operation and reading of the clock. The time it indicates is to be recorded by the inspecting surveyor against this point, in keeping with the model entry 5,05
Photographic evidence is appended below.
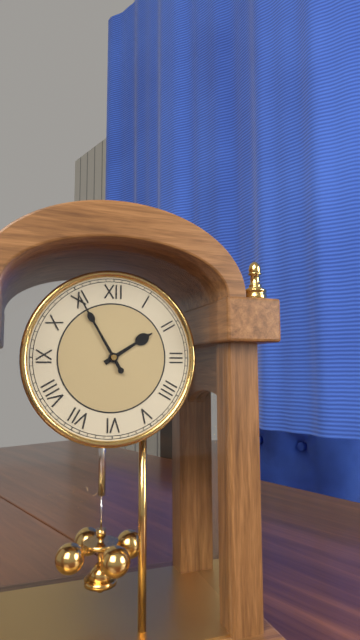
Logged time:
1,55
